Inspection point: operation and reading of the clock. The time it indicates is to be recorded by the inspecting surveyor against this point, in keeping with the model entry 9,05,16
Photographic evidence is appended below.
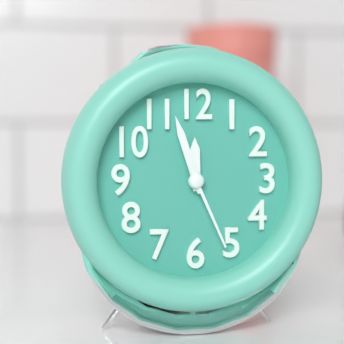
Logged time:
11,57,26
